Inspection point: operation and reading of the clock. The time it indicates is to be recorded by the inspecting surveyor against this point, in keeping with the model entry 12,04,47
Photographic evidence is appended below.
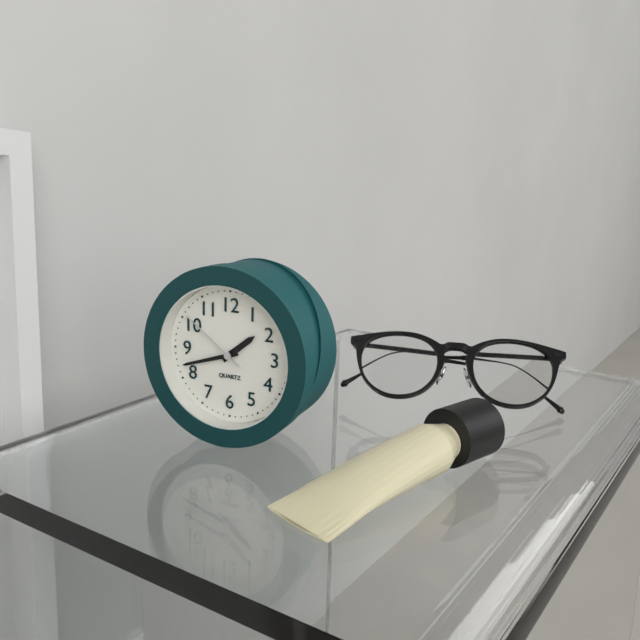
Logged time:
1,42,51
